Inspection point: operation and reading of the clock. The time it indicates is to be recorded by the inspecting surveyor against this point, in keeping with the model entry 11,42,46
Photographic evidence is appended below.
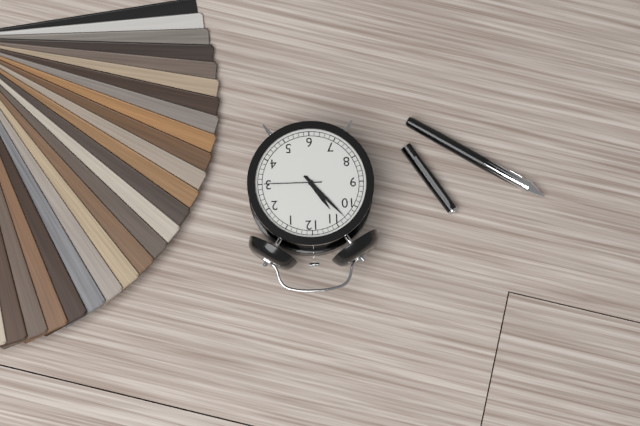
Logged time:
10,53,15
